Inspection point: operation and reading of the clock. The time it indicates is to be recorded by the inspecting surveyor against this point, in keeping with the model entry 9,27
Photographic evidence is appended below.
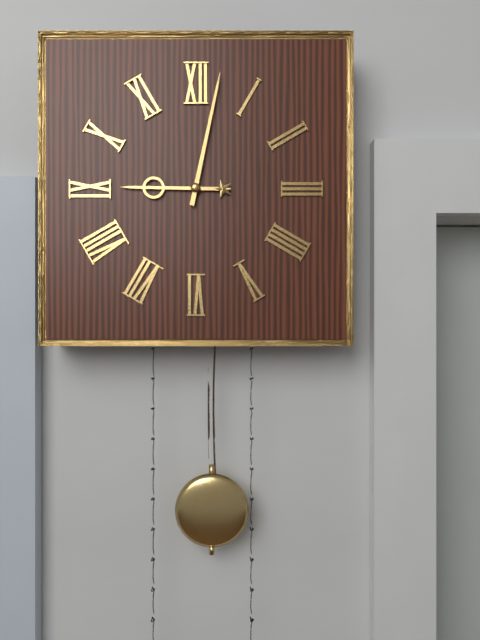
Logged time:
9,02
